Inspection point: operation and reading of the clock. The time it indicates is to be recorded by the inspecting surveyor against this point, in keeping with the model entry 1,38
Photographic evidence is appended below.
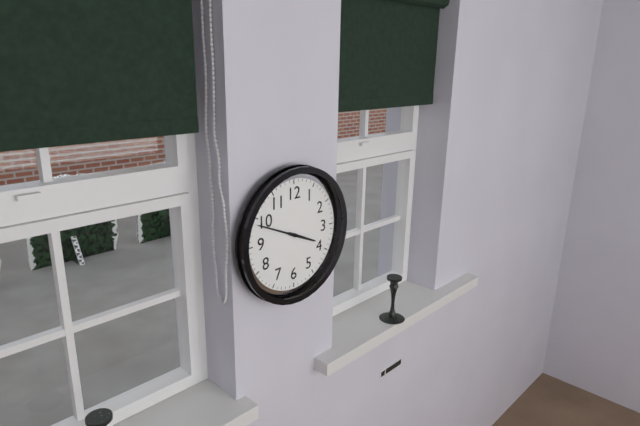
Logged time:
3,49
